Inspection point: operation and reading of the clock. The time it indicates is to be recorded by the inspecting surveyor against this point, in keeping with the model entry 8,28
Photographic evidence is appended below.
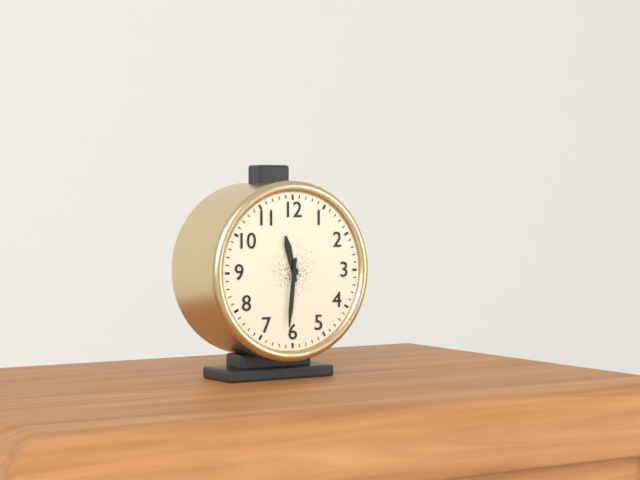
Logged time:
11,31
